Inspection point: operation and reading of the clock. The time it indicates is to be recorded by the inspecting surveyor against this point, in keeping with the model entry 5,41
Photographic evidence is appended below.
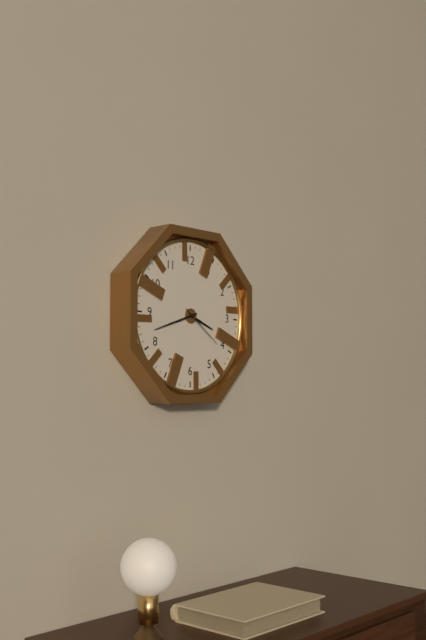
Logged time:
3,42
